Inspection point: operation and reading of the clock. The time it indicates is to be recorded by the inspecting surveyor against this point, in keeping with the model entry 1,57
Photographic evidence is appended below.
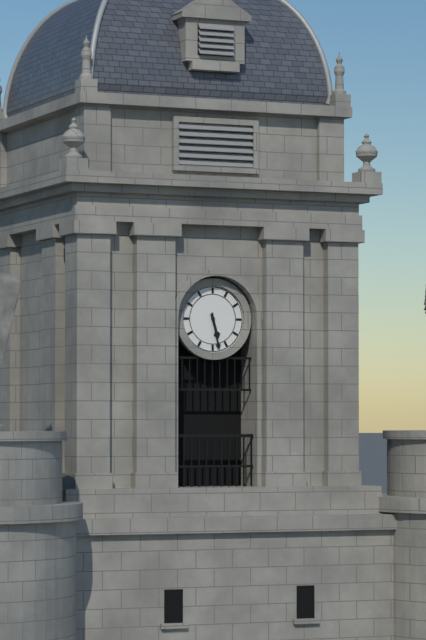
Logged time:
5,28
